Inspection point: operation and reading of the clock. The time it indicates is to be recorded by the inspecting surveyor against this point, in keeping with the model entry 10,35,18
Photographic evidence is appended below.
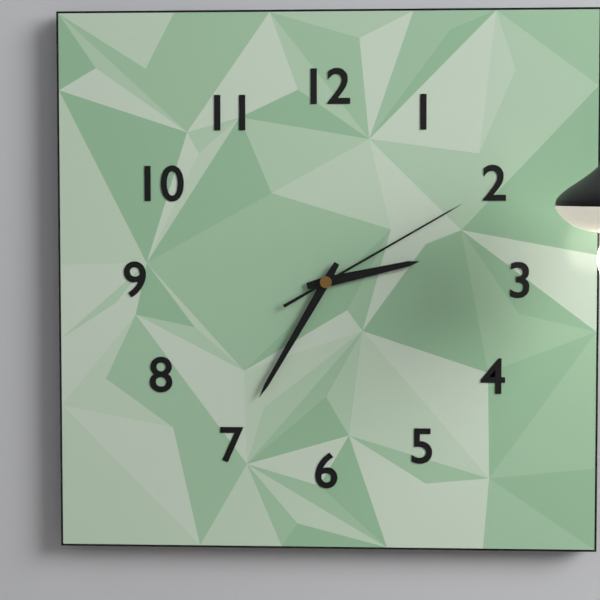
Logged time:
2,35,10
